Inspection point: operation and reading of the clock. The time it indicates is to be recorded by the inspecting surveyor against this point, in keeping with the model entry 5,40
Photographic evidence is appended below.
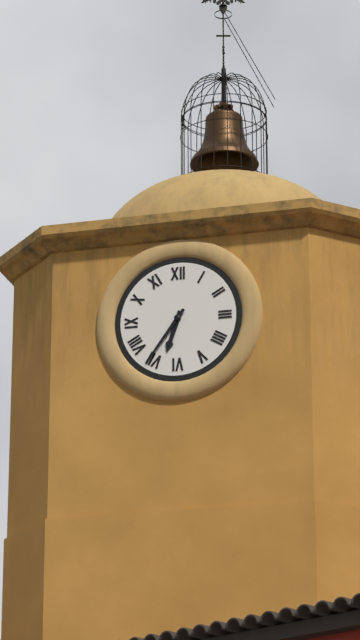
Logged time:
6,36
